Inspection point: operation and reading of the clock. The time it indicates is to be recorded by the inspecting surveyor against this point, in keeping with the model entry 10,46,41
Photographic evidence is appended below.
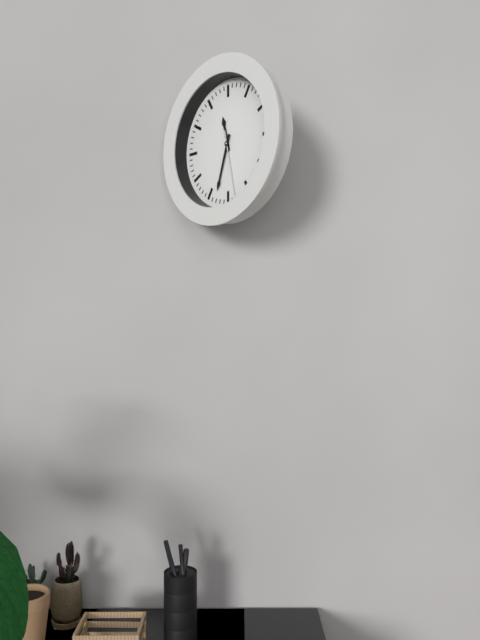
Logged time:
11,33,28
